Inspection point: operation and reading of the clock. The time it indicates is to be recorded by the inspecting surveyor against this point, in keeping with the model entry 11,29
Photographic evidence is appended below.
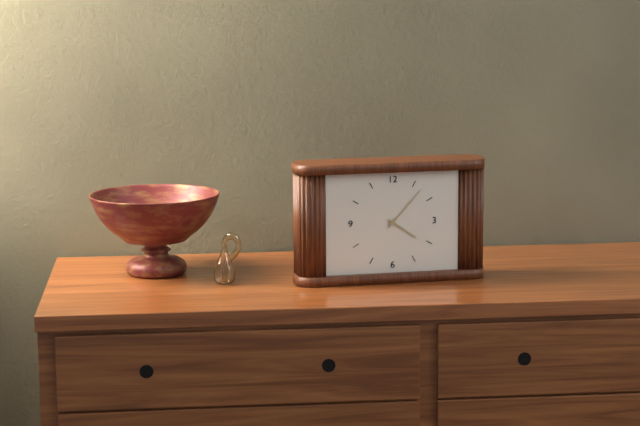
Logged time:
4,07
